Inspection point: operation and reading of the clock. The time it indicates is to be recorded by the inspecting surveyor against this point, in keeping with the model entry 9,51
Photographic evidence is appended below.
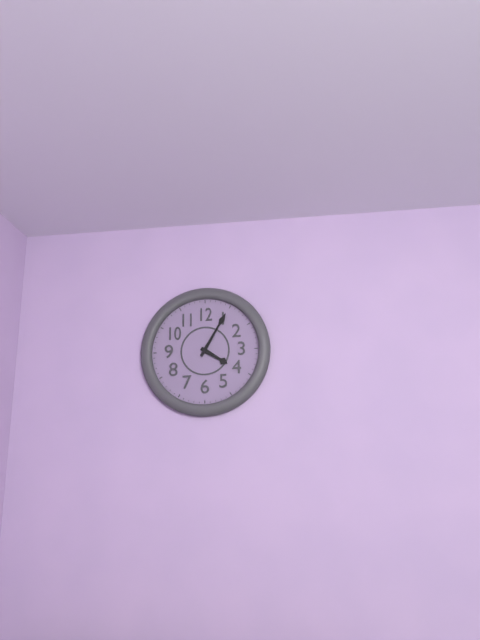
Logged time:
4,05
